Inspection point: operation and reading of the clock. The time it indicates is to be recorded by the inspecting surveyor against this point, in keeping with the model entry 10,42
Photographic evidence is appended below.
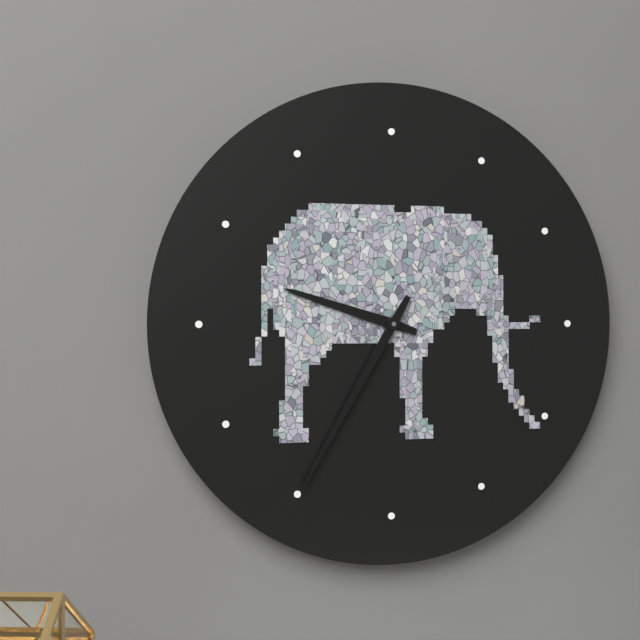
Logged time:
9,35
